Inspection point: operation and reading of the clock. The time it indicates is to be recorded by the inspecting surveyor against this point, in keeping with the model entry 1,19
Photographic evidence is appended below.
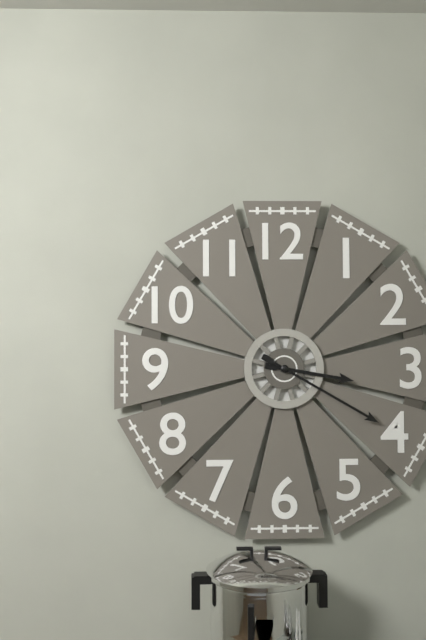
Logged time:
3,20
